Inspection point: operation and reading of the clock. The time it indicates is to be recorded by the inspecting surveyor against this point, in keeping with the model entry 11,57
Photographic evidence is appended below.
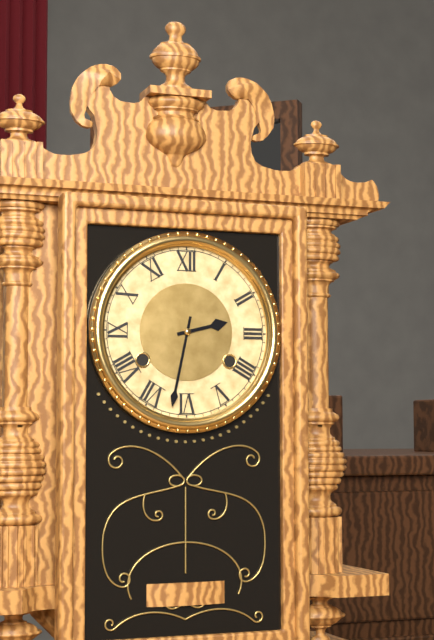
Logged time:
2,32
